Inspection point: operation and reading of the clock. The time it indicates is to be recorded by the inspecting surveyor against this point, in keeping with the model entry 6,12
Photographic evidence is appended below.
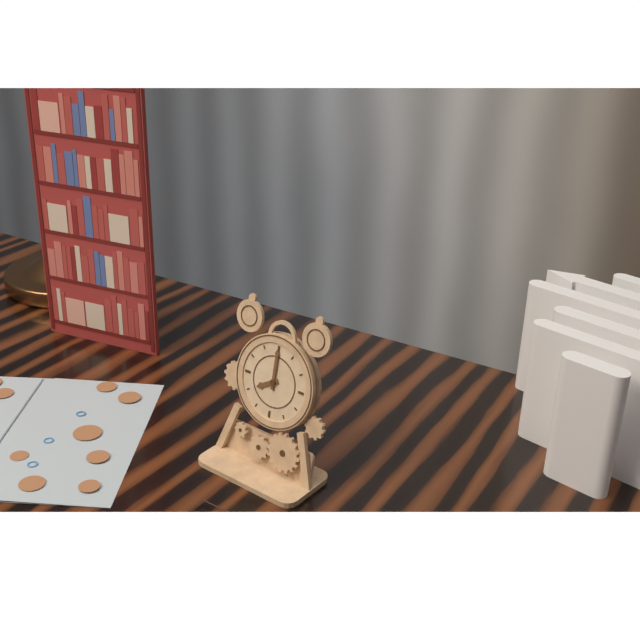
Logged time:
8,00
